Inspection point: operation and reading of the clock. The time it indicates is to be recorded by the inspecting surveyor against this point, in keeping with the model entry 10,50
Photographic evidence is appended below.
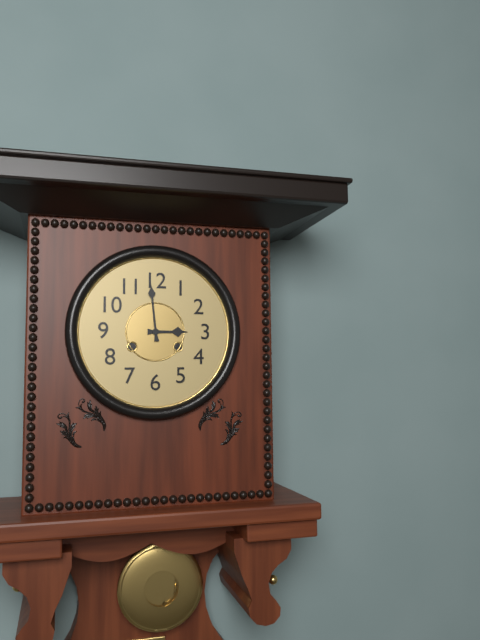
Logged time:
2,59
